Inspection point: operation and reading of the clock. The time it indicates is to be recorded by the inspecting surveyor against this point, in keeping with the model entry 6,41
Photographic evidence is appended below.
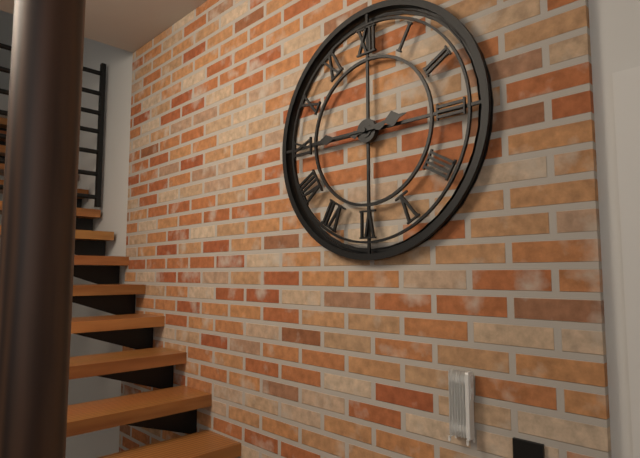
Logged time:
2,45
